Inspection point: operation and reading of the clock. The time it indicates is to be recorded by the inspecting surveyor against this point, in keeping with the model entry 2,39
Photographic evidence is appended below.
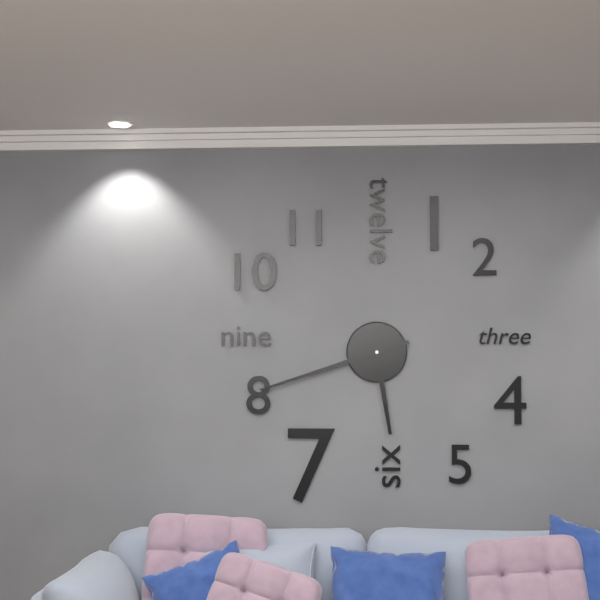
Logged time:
5,42
